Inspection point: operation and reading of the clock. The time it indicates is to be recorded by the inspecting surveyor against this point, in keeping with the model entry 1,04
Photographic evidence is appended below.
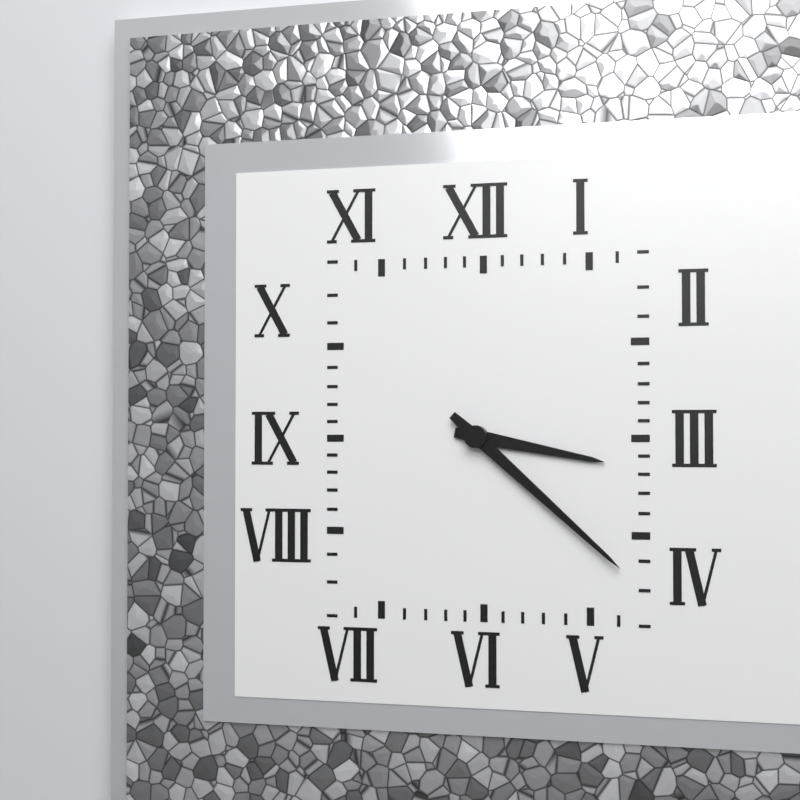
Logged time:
3,22
